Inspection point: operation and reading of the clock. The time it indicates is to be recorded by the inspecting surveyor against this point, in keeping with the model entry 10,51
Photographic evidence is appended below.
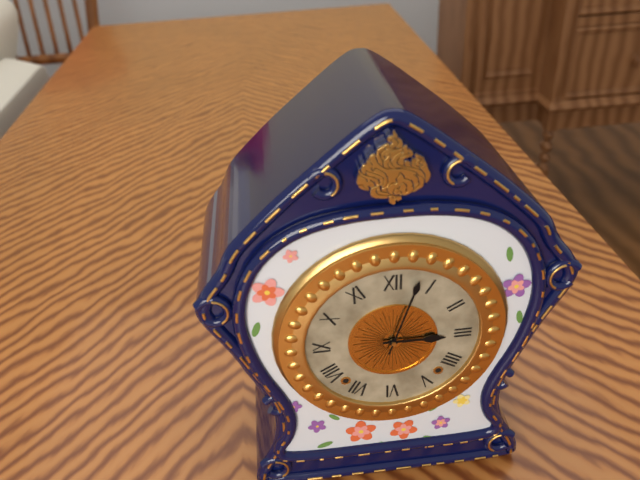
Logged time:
3,03
